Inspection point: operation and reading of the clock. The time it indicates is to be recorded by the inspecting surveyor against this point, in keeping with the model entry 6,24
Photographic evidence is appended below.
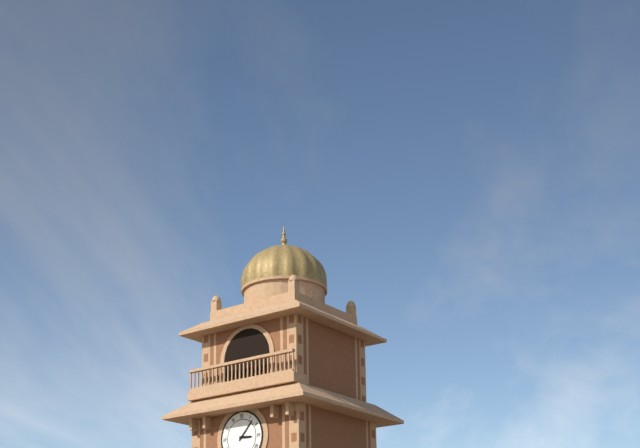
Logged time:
3,07
